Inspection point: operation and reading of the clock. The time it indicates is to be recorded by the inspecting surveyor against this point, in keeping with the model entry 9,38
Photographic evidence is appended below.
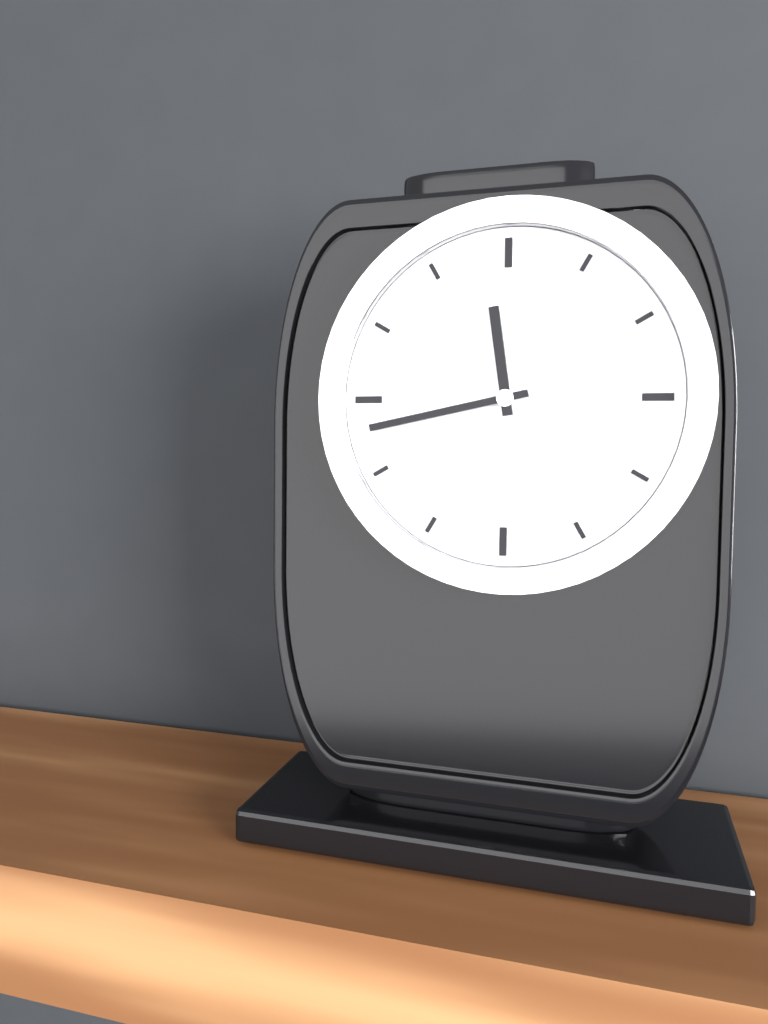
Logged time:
11,43
